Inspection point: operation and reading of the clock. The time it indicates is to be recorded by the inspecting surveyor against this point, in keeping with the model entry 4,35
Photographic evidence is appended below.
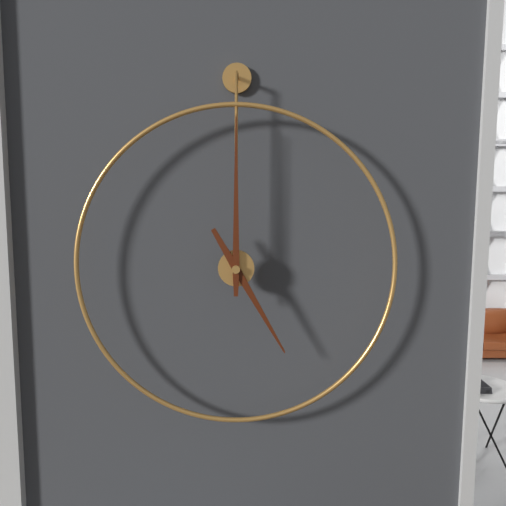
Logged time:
5,00
